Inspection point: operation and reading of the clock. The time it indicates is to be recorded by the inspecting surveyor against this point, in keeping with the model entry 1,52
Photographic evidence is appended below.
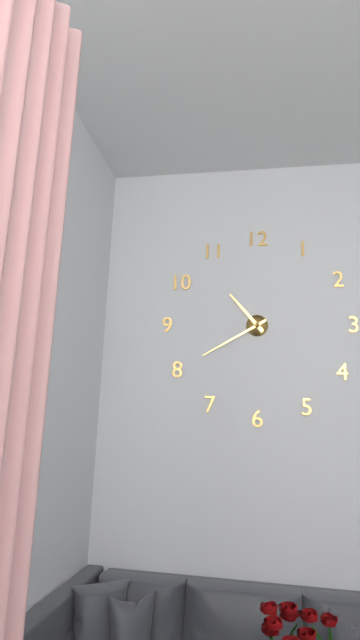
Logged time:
10,40
